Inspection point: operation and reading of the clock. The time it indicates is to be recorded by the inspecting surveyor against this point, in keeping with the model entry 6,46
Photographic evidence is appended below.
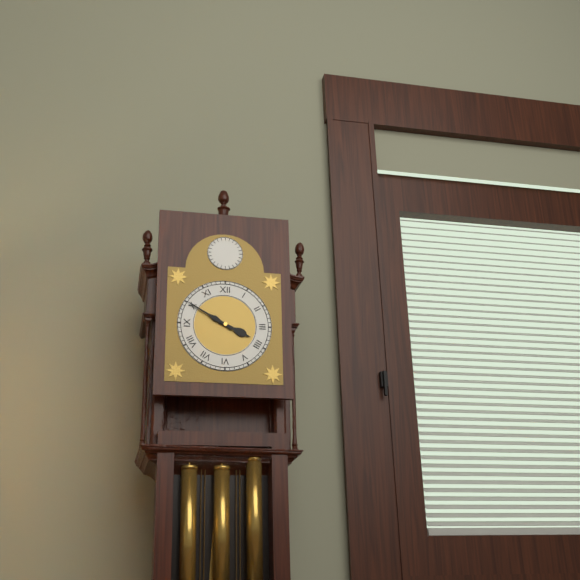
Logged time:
3,50
